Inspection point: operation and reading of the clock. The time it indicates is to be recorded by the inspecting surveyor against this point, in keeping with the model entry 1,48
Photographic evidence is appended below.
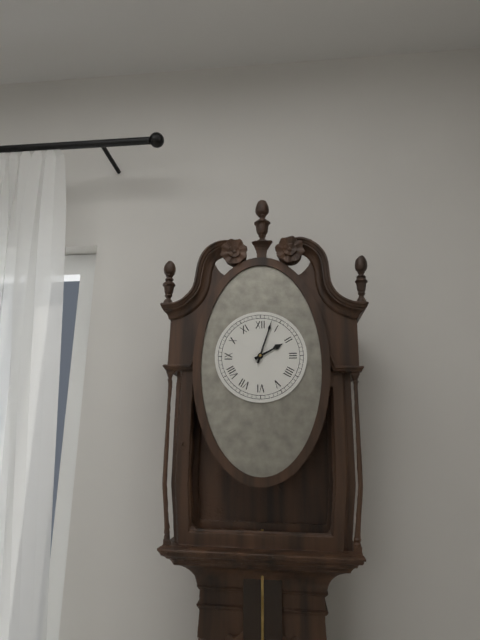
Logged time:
2,03
